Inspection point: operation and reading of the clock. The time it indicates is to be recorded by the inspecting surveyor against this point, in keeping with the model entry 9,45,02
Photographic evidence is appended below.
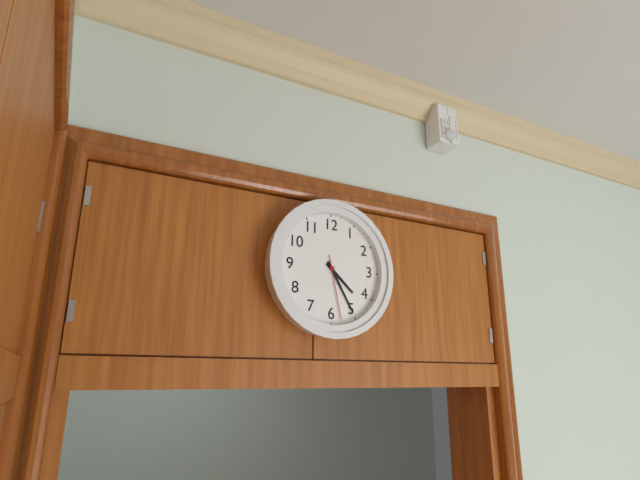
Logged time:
4,25,28
